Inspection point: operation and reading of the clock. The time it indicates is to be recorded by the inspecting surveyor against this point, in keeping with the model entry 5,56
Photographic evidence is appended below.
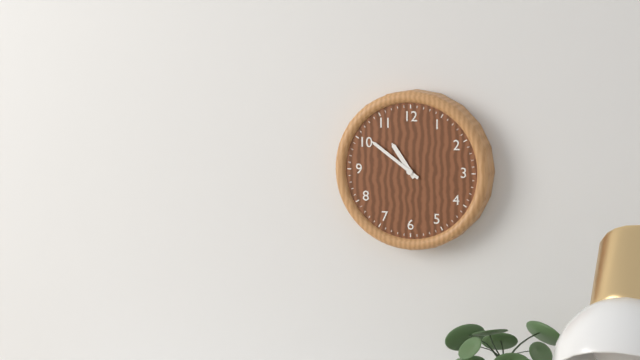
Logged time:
10,51
